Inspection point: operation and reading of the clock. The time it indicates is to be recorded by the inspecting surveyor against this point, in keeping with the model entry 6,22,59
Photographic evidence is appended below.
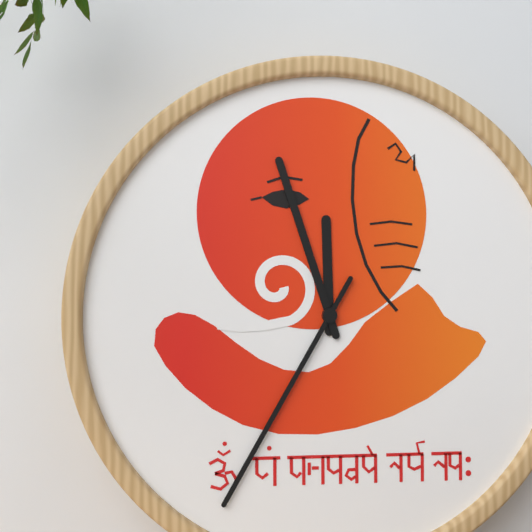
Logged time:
11,57,35
